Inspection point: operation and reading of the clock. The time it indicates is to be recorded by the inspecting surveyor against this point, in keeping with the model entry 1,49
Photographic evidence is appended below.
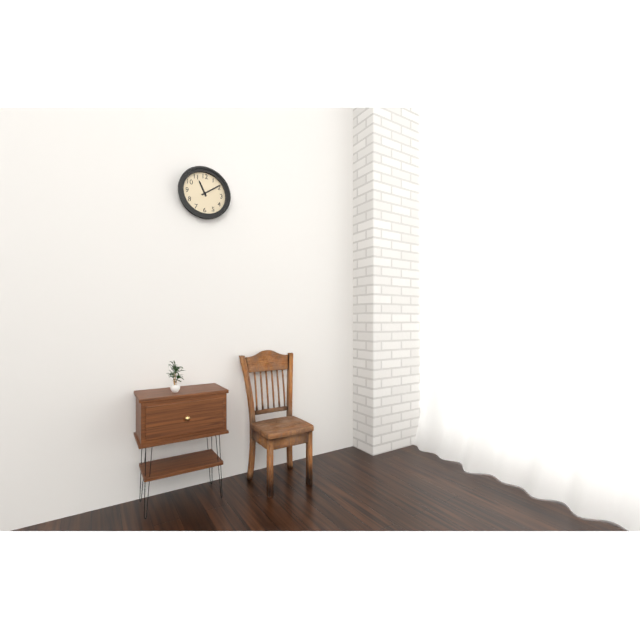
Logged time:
11,09
